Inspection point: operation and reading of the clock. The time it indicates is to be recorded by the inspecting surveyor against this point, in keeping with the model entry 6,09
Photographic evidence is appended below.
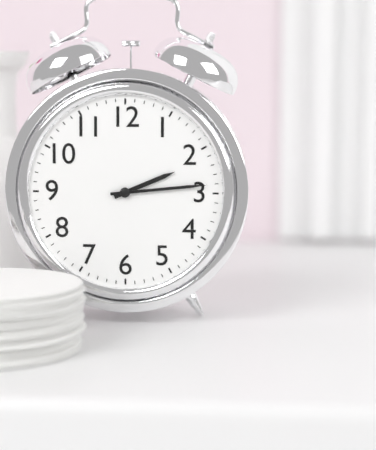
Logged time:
2,14
